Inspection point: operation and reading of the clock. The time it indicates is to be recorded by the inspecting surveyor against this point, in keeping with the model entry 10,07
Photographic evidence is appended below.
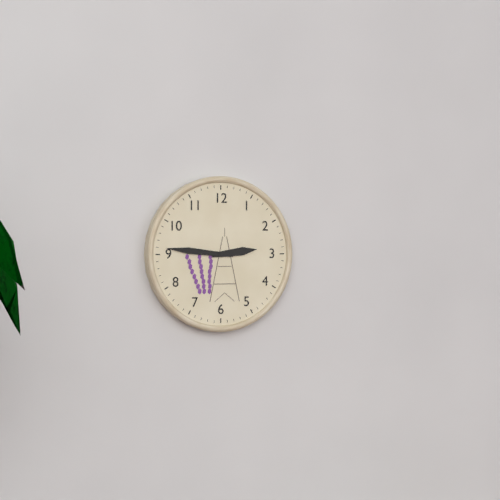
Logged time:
2,46
